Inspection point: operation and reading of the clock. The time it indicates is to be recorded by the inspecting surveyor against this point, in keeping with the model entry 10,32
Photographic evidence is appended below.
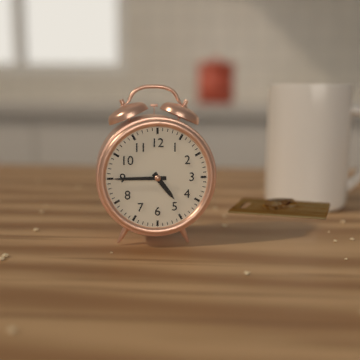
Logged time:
4,45
